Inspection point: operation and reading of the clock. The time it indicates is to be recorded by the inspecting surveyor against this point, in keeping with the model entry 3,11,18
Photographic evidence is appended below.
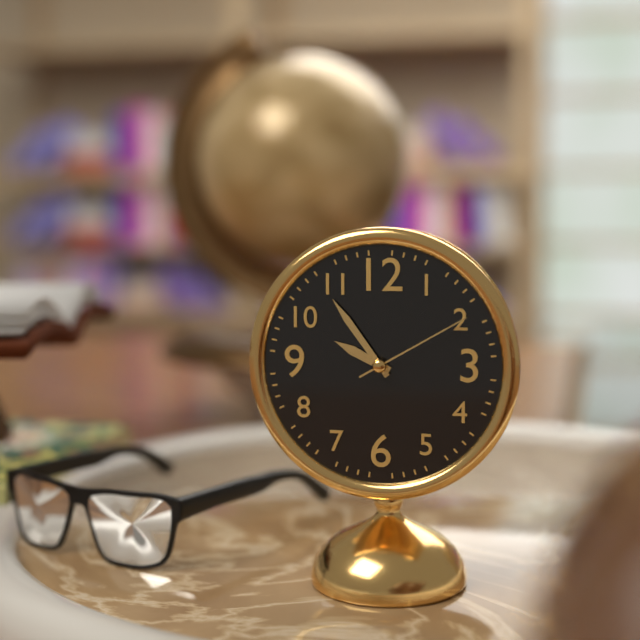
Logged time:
9,54,10
